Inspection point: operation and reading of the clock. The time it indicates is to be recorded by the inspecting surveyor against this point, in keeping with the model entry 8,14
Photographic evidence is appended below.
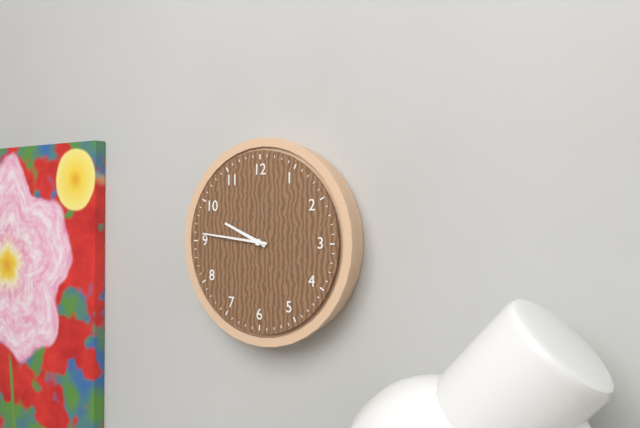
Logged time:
9,46
